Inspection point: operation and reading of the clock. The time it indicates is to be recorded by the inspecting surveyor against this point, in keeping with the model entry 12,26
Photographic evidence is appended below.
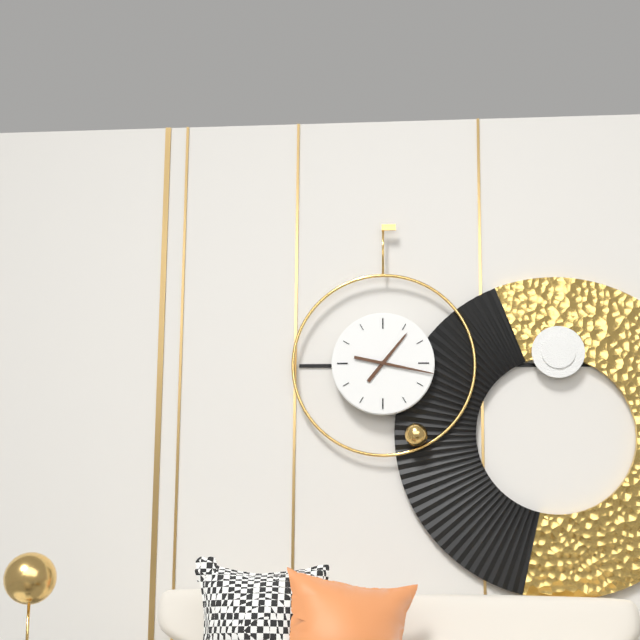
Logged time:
1,17
